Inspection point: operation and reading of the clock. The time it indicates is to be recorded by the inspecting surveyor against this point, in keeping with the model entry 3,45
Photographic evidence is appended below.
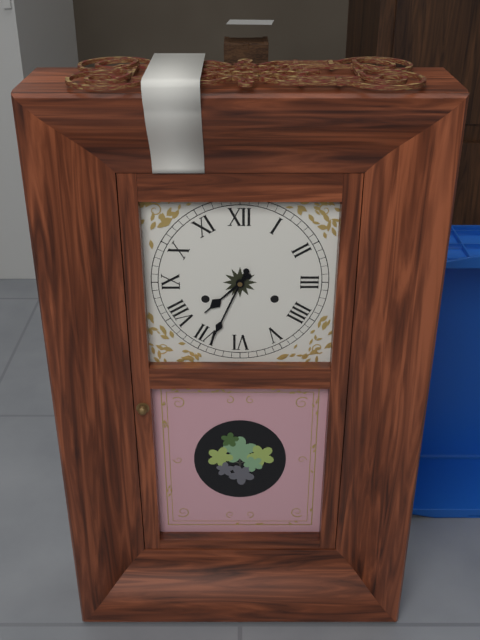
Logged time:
7,34
